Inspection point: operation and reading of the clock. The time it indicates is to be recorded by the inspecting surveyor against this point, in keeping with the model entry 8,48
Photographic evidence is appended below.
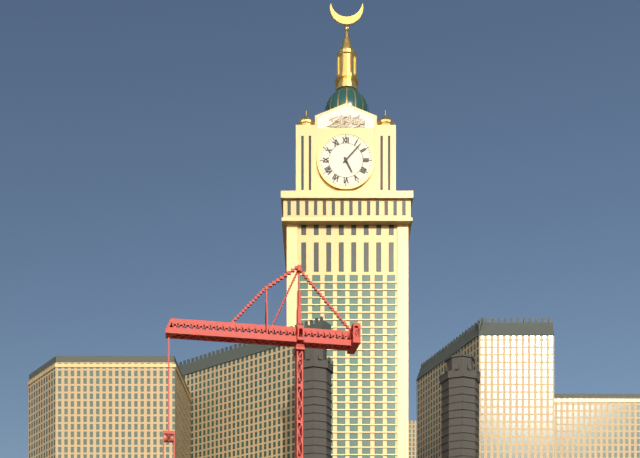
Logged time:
5,07
